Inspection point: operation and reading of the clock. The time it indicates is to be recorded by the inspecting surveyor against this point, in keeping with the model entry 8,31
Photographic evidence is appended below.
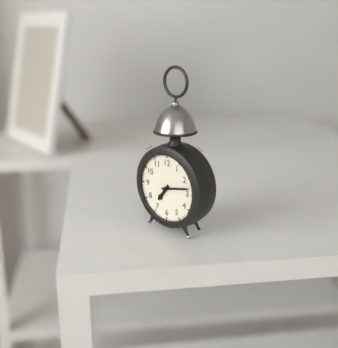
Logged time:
7,13
